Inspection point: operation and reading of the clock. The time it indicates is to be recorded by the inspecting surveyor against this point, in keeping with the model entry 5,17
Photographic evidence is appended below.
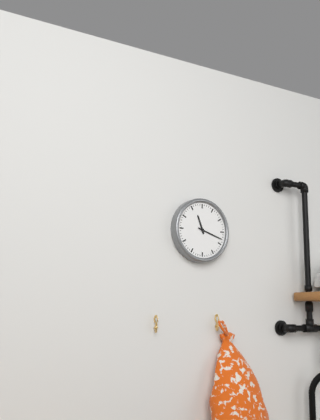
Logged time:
11,18
